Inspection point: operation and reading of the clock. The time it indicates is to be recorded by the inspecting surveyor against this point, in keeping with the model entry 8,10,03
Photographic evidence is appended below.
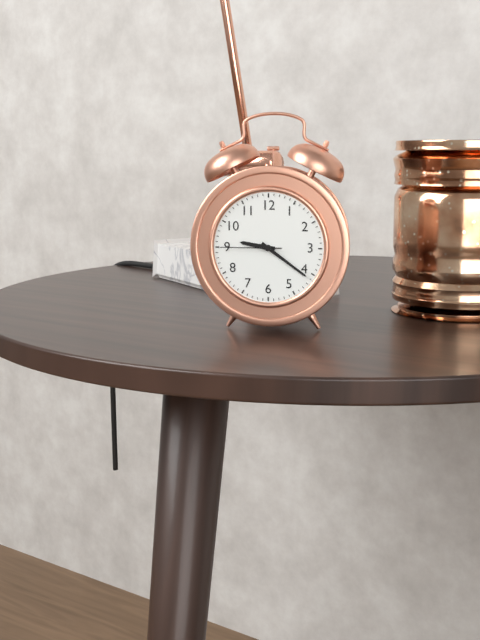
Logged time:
9,21,45
